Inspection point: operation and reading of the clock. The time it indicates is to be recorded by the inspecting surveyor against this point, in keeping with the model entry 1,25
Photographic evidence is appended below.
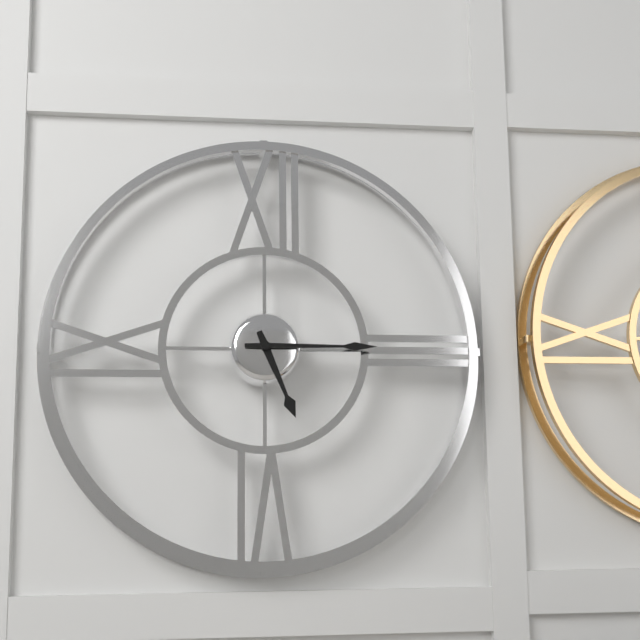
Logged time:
5,15
